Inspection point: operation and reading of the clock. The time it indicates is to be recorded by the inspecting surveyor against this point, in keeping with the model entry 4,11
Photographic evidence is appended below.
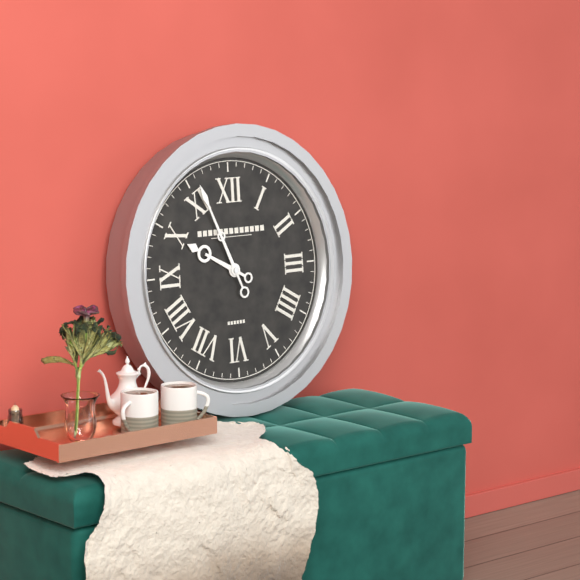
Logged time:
9,56
